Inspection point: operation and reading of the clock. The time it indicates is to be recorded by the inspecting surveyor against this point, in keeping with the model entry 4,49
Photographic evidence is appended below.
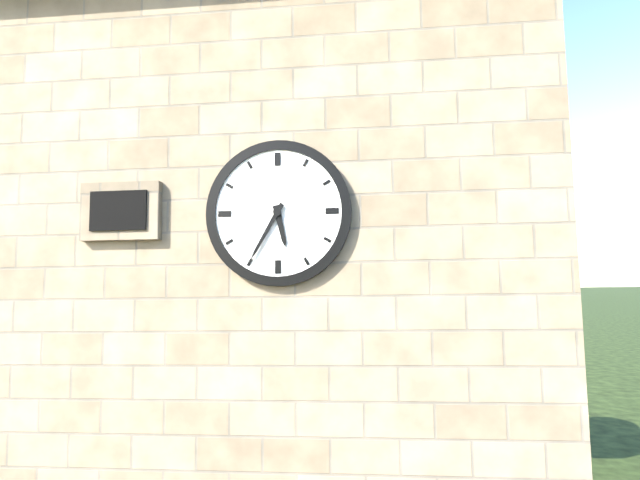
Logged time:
5,35
